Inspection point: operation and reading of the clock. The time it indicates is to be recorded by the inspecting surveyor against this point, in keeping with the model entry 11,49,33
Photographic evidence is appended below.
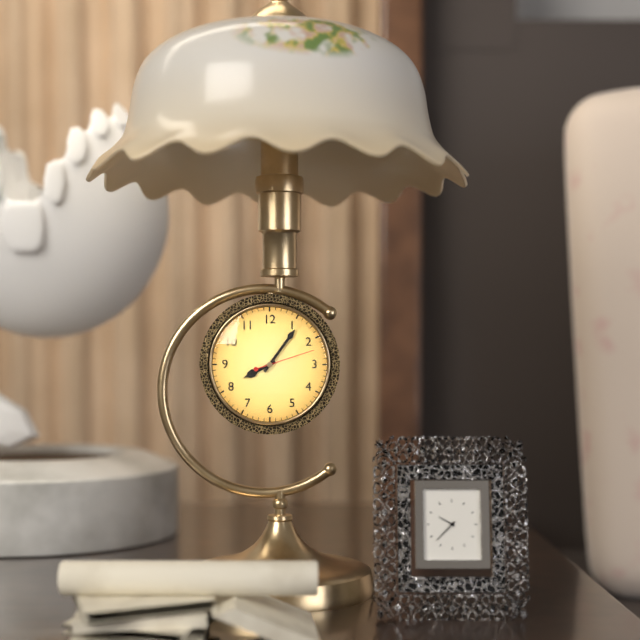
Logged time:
8,06,12
